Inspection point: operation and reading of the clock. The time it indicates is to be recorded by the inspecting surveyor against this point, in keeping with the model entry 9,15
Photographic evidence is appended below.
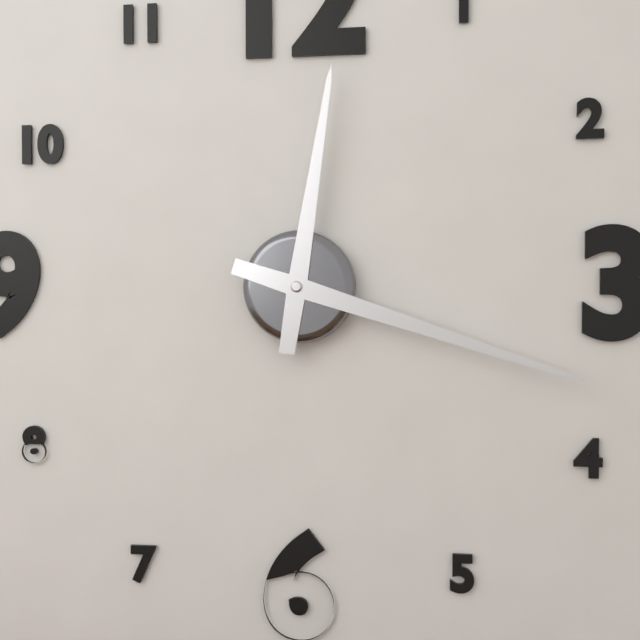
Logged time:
12,18
